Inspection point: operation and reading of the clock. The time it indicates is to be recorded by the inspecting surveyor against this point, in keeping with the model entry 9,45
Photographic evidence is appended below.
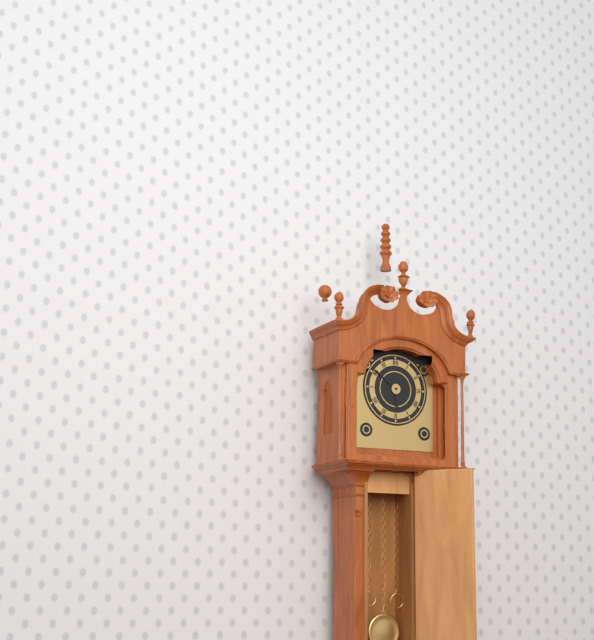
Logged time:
5,51
